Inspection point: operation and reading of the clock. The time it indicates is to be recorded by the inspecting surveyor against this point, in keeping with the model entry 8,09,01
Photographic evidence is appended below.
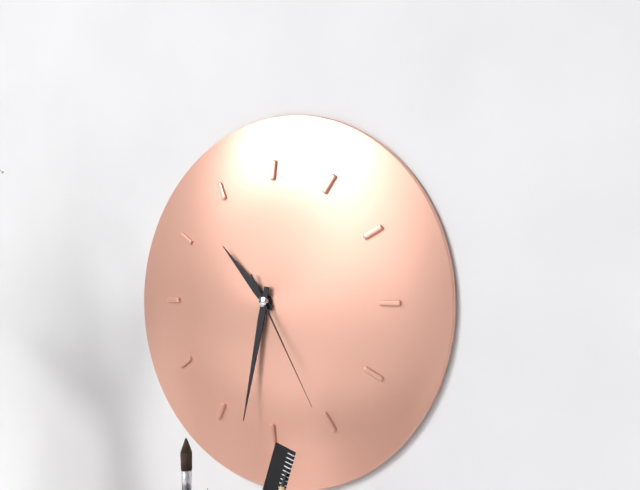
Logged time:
10,32,25
